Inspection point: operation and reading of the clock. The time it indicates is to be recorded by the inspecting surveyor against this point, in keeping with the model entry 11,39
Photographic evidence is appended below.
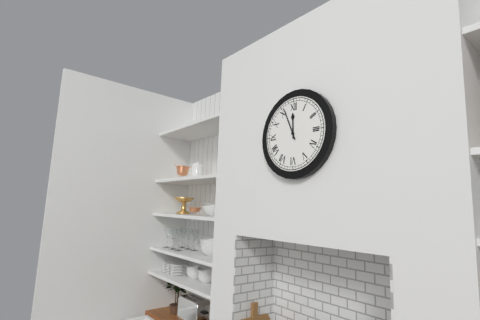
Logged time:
11,56
